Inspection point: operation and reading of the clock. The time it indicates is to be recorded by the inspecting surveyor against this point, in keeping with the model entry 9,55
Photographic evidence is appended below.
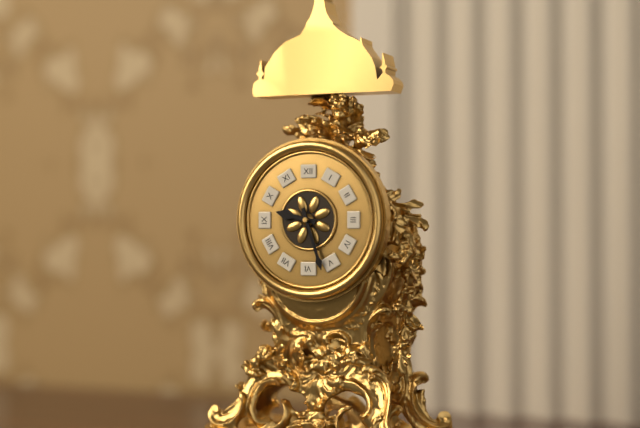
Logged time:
9,27
